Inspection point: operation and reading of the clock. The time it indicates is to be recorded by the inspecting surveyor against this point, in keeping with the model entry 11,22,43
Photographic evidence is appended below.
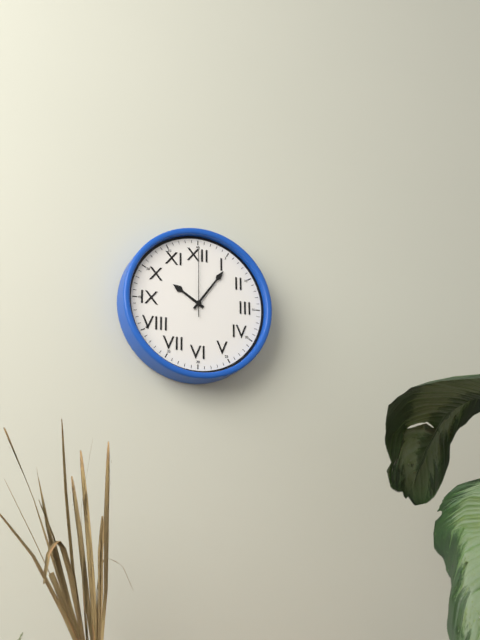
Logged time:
10,06,00
